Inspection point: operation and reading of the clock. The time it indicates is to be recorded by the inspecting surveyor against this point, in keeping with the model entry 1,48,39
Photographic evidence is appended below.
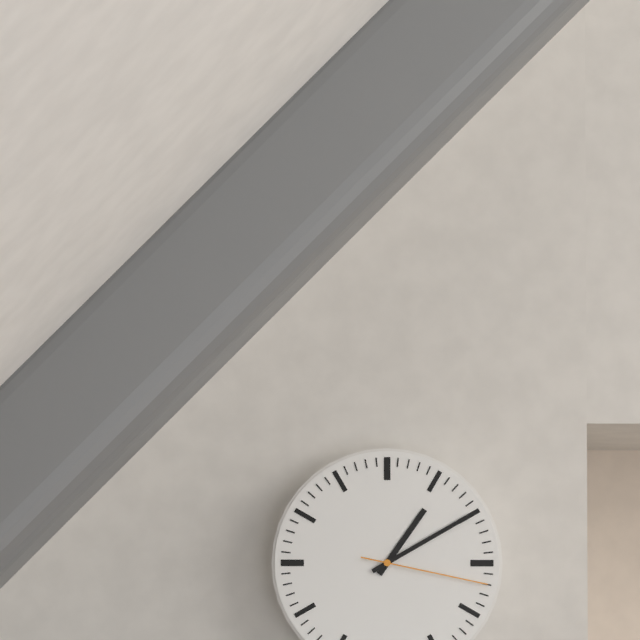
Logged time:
1,10,17
